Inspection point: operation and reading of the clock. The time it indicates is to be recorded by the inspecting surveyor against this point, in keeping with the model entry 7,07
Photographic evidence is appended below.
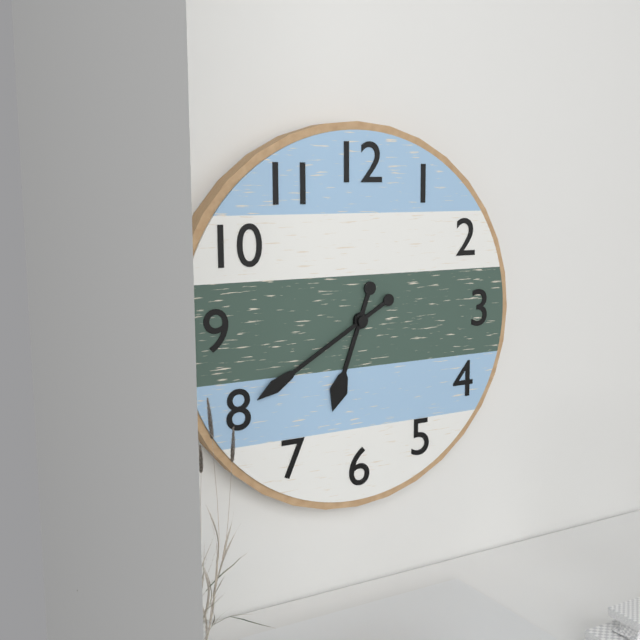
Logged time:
6,40
